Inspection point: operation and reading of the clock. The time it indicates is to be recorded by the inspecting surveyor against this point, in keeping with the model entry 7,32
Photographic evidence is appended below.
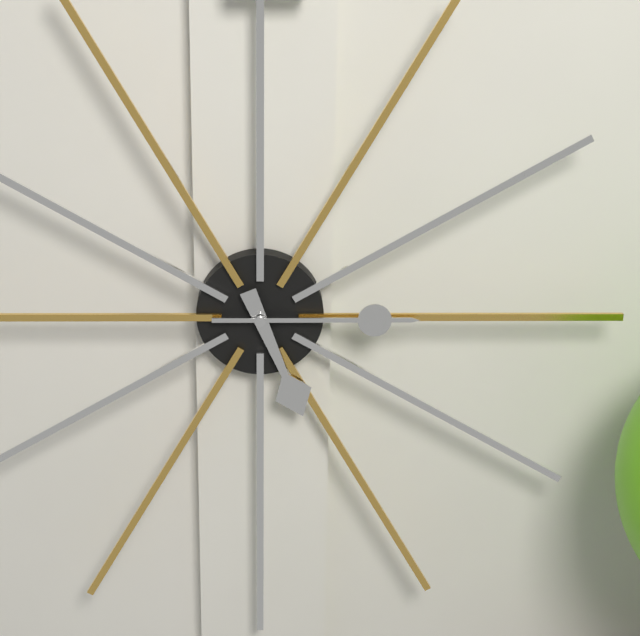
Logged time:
5,15
